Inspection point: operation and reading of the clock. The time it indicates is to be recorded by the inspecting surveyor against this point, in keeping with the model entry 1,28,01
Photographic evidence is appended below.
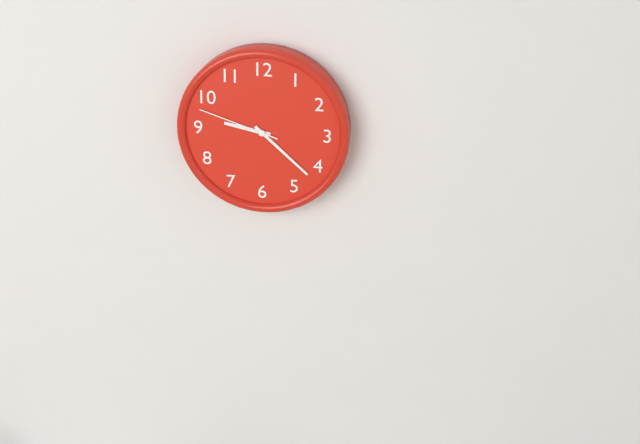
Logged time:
9,22,48
